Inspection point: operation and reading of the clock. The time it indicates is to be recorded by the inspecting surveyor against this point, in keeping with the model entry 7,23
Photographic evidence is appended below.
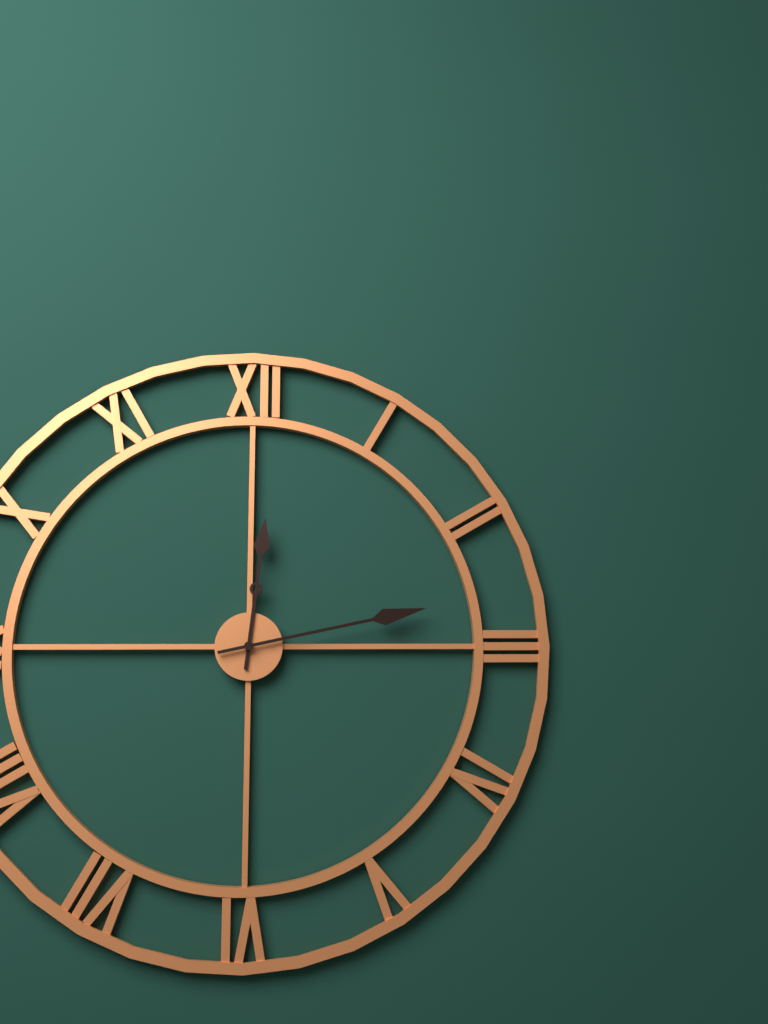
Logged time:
12,13
